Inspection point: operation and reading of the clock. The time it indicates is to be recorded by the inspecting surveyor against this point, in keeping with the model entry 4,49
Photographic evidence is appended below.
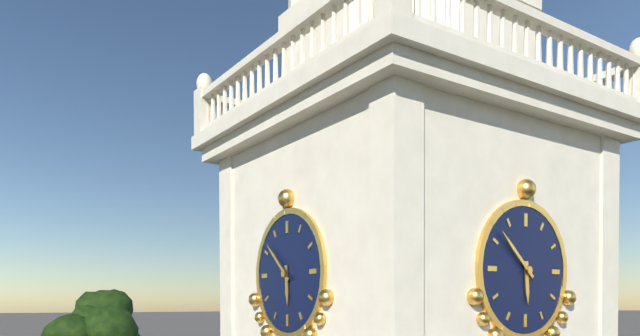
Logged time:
5,52
